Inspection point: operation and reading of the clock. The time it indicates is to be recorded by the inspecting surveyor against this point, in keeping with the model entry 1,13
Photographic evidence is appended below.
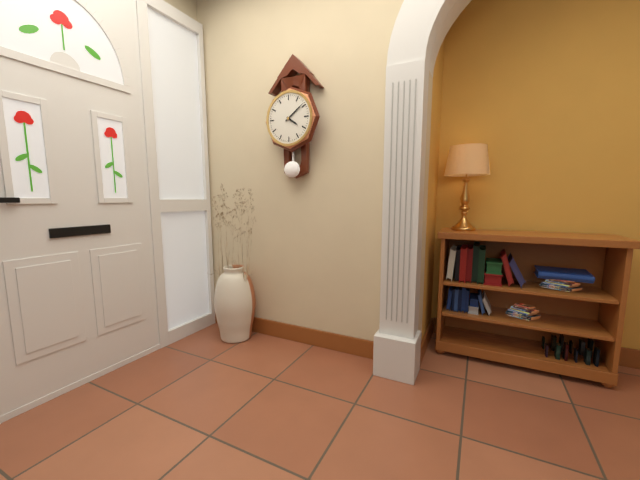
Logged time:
4,09
